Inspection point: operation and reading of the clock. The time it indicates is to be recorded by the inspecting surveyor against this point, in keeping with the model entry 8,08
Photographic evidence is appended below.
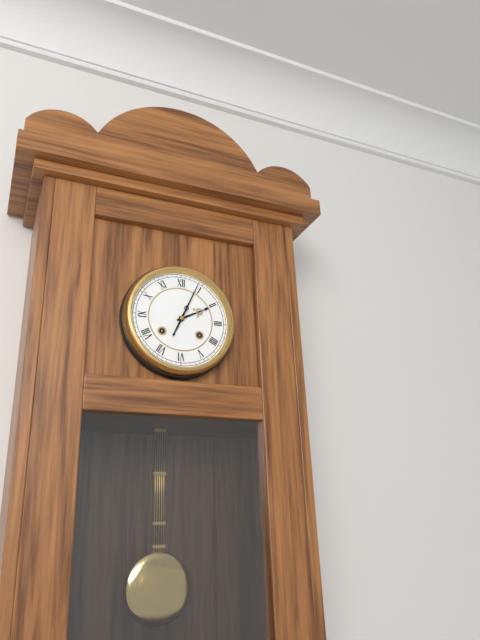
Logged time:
2,04
